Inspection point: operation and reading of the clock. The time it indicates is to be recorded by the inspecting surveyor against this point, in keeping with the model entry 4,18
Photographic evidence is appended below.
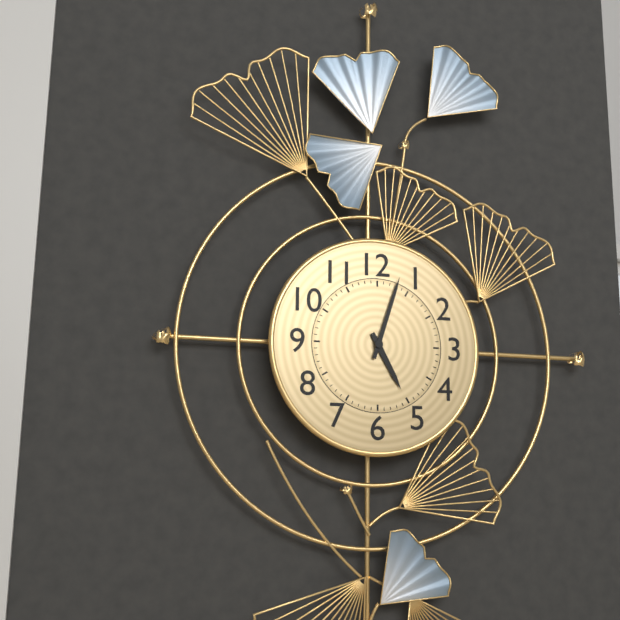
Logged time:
5,03
